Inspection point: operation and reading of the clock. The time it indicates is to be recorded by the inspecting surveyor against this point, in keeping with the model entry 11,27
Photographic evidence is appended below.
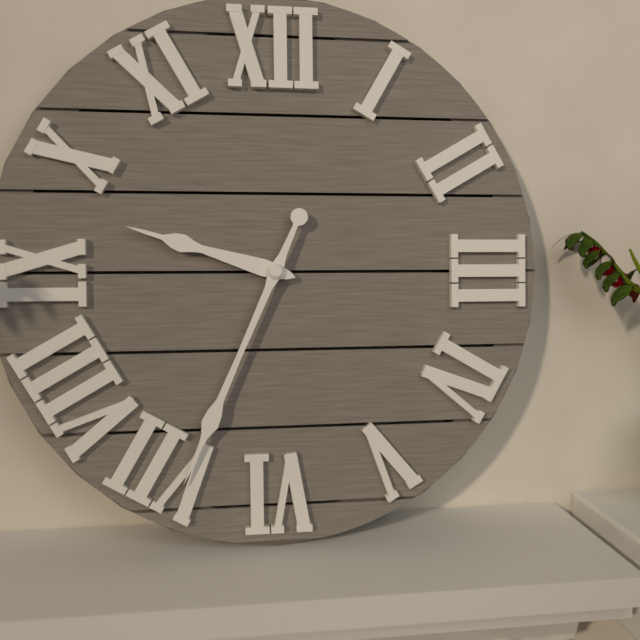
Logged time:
9,34
